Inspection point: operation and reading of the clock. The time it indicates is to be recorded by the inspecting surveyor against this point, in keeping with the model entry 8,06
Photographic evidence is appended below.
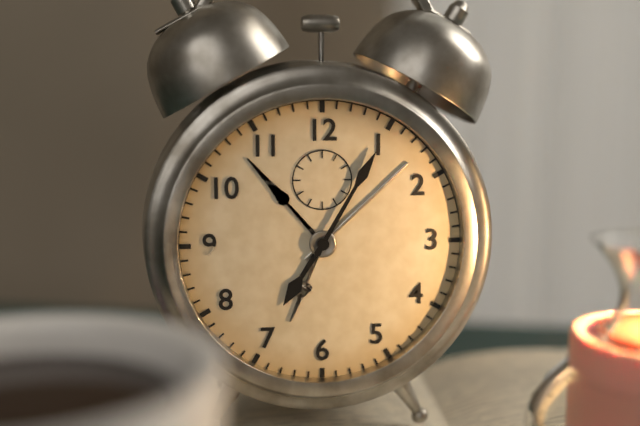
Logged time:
7,05
